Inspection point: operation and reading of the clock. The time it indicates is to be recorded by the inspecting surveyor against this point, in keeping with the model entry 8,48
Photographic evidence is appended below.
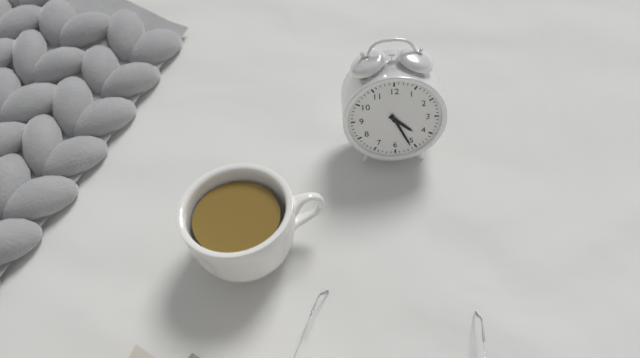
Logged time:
4,26
